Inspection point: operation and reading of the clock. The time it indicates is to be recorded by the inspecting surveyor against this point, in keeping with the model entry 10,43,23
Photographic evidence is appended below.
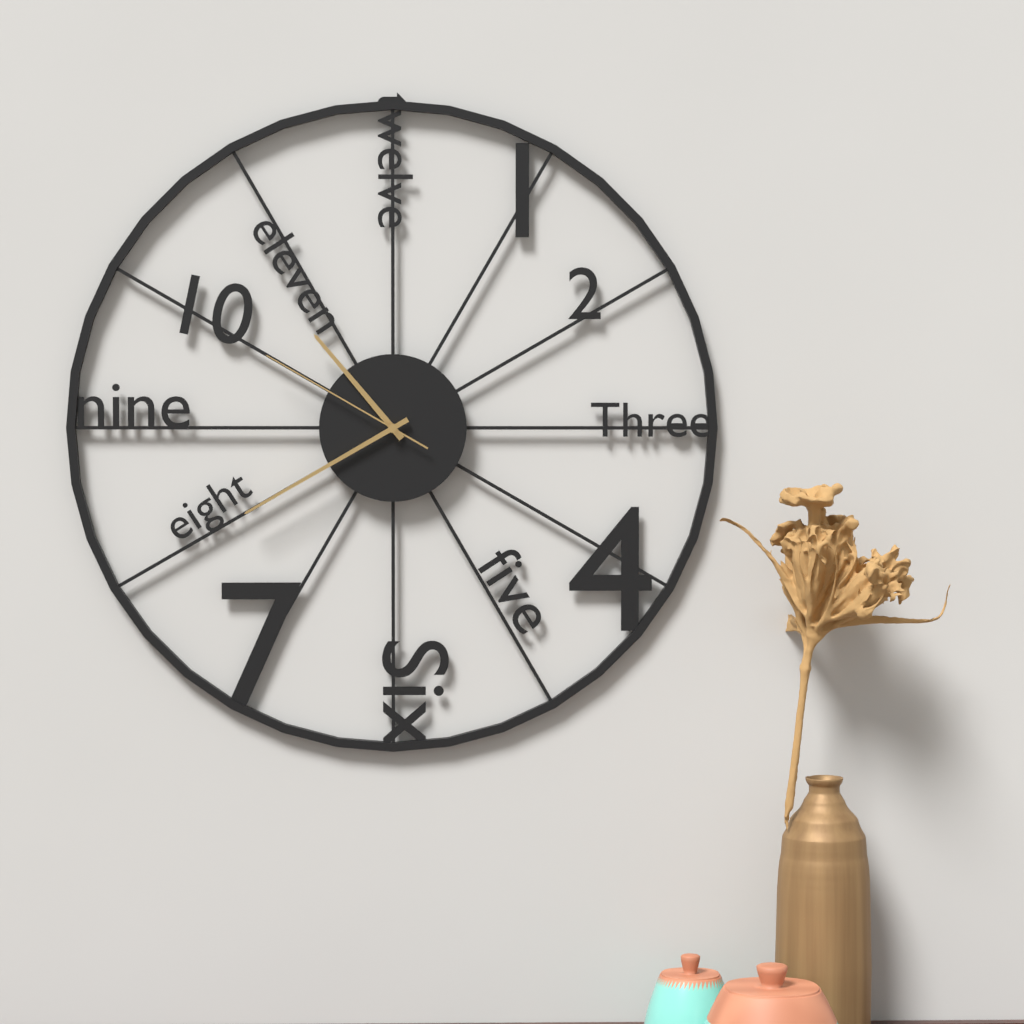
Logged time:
10,40,50
